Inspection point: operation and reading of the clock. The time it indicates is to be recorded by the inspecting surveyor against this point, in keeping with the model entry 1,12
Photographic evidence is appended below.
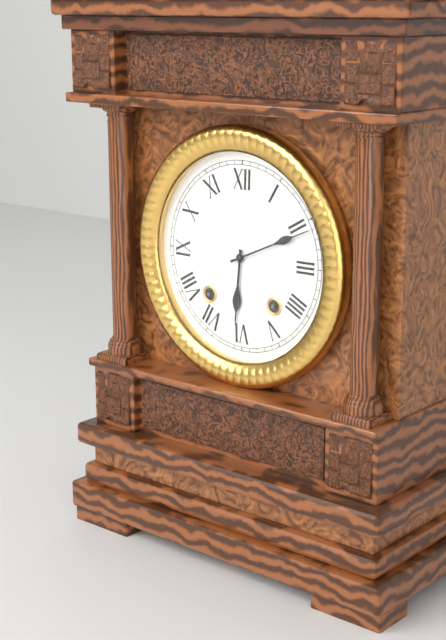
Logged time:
6,11
